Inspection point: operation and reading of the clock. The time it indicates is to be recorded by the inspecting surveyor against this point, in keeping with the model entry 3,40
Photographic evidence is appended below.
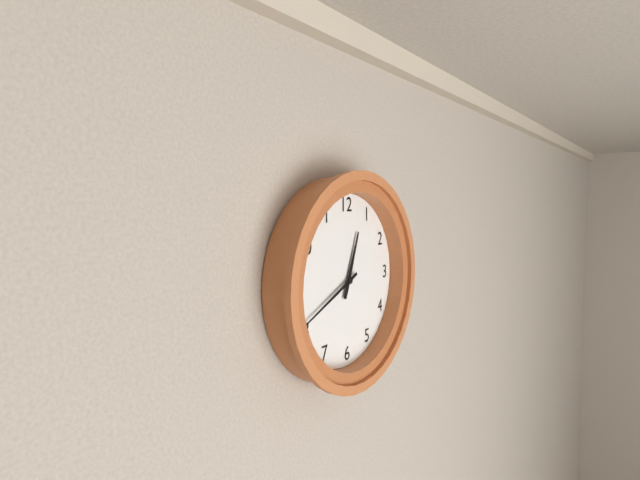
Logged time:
12,41
